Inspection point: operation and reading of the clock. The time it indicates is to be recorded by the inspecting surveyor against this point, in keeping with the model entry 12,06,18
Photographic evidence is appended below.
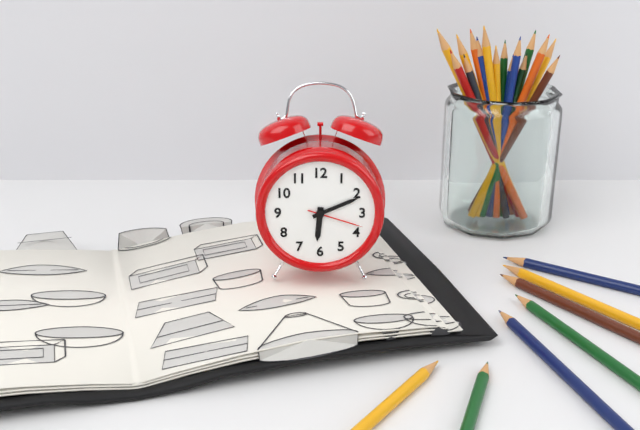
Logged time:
6,11,18
